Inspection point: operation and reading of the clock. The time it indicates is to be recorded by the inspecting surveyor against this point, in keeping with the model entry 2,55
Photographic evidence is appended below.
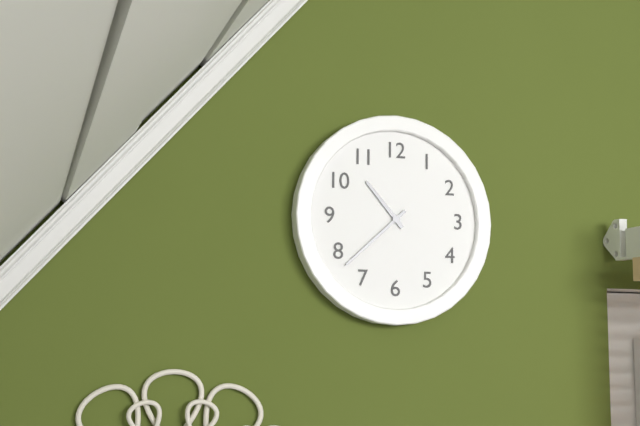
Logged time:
10,38
